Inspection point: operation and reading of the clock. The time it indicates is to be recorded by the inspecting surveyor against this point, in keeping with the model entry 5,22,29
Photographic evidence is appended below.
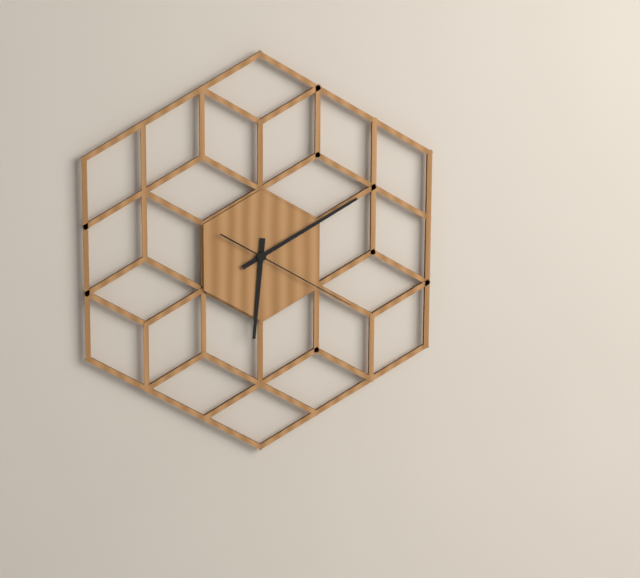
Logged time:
6,10,20
